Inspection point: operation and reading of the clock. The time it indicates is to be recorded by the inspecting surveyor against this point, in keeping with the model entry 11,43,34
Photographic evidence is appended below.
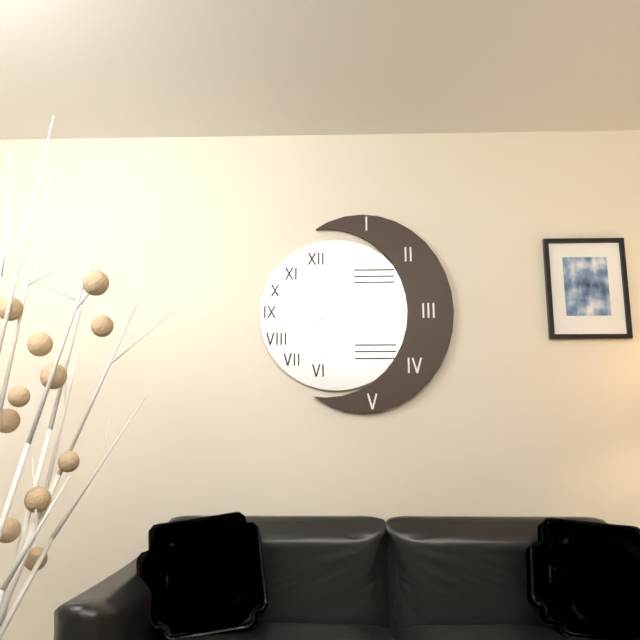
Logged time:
11,00,28
